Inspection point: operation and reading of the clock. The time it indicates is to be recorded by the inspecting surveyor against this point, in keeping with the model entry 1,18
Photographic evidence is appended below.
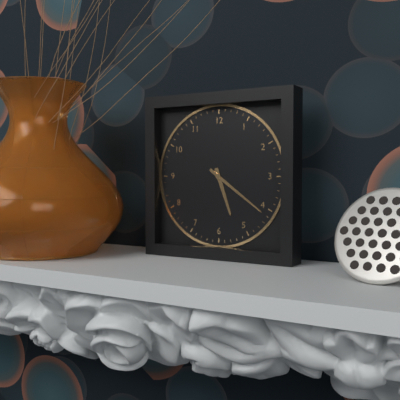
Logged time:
5,21
